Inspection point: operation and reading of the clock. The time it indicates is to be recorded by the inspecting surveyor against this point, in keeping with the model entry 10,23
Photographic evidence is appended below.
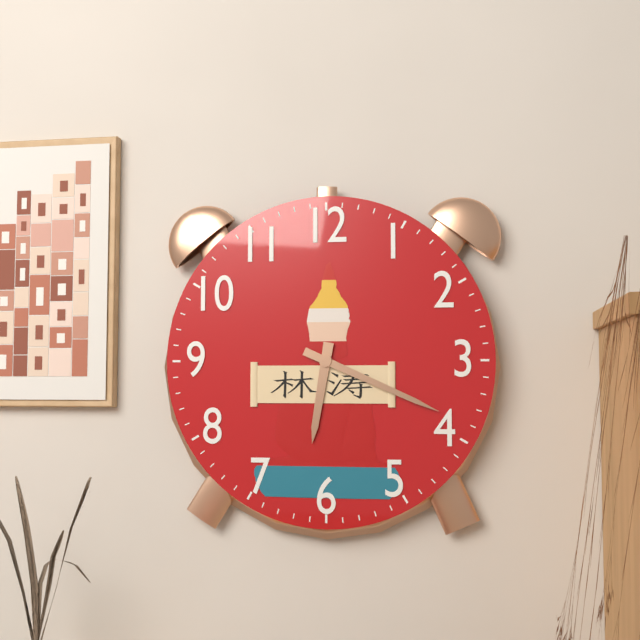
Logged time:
6,19
